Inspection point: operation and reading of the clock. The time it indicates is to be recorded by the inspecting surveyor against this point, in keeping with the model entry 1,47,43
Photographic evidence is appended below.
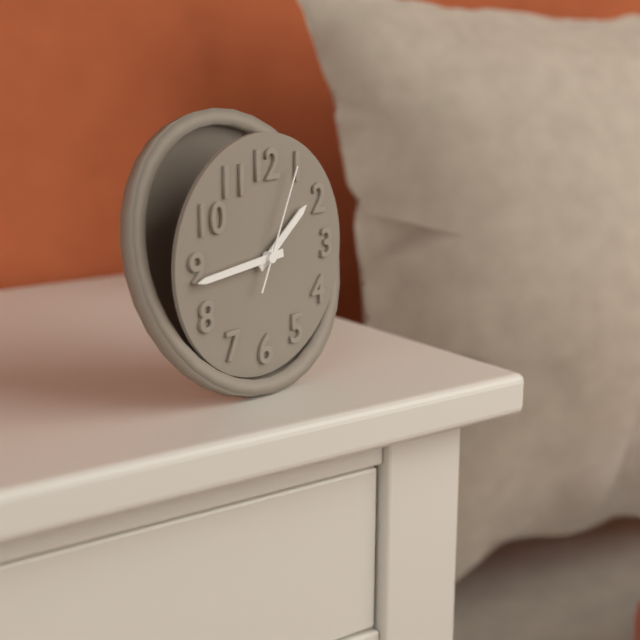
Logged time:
1,44,04
